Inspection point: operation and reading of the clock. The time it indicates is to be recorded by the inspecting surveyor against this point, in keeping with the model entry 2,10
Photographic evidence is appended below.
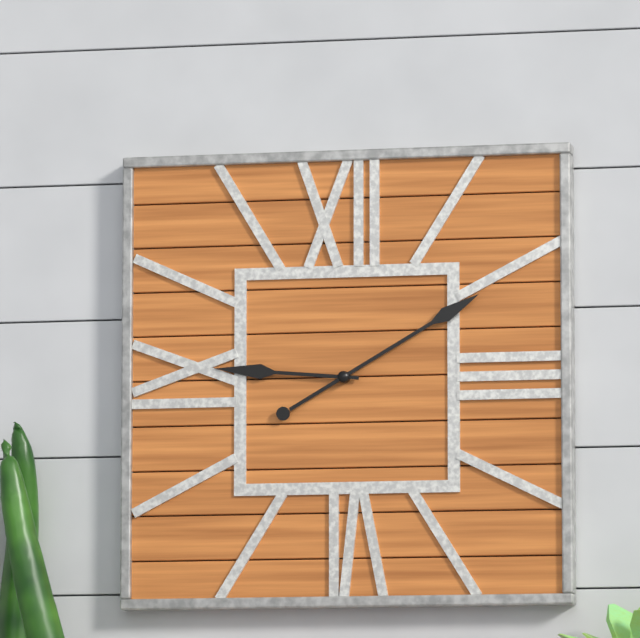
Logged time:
9,10
